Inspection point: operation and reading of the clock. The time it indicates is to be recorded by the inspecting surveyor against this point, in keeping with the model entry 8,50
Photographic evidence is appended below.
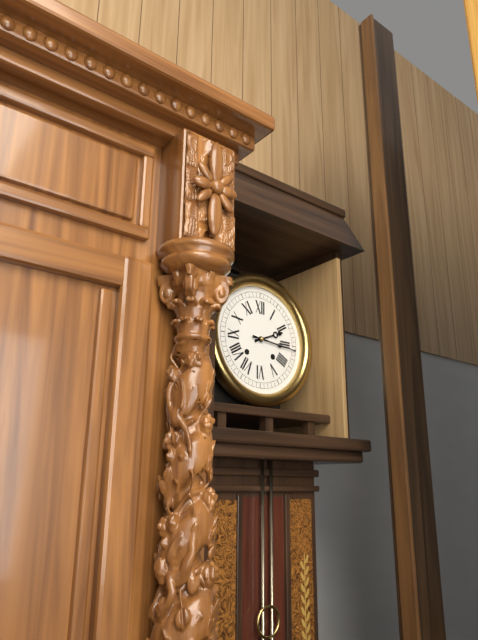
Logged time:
2,16
